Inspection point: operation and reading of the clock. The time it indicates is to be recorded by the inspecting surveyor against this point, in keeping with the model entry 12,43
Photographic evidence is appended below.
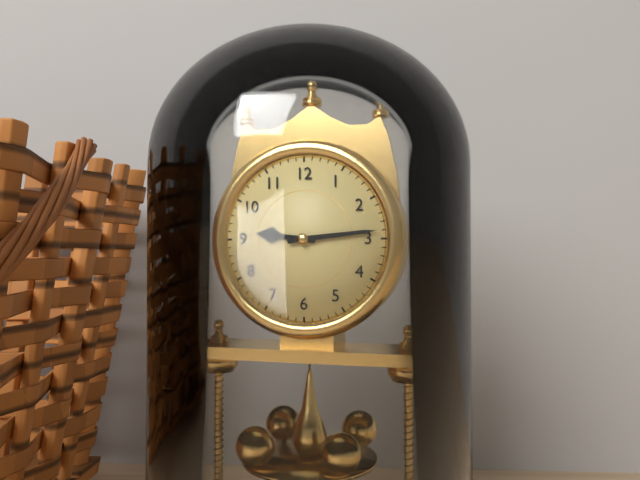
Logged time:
9,14
